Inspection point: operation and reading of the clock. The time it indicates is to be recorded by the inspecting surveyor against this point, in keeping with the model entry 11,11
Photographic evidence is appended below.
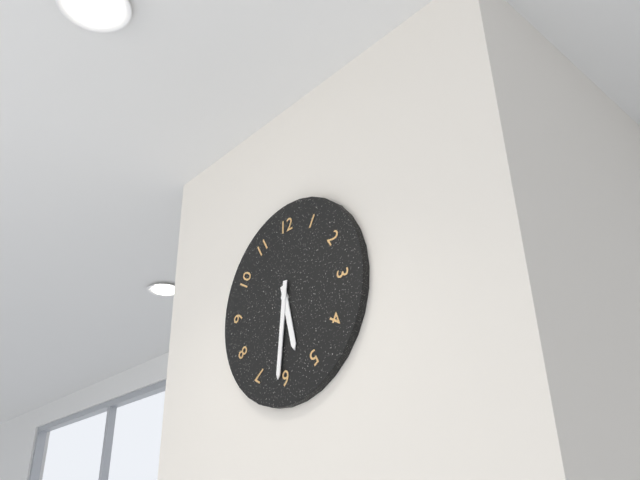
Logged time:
5,31
